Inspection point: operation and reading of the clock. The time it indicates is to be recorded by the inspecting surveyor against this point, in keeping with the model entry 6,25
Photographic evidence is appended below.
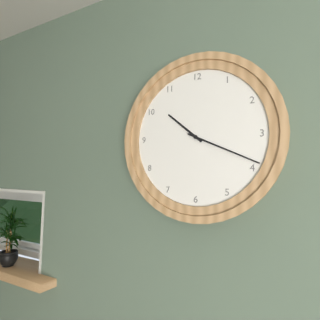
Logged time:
10,19
